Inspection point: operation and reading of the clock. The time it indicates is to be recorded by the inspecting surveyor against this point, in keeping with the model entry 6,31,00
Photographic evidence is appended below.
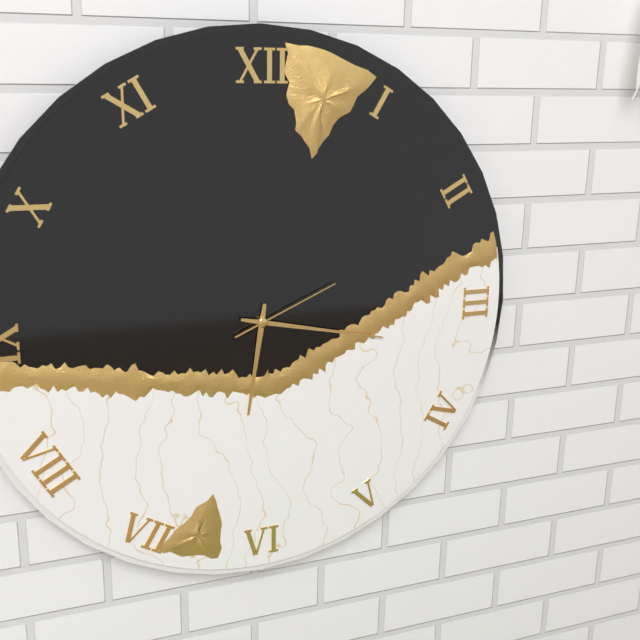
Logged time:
6,17,11
